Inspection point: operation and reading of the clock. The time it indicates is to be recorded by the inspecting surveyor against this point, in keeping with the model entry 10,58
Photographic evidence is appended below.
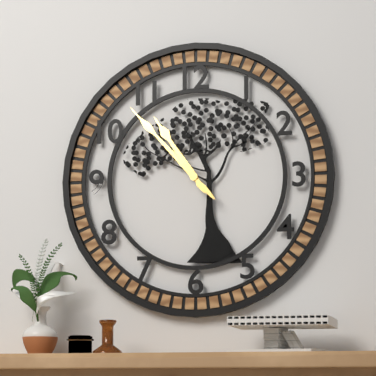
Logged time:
10,53
